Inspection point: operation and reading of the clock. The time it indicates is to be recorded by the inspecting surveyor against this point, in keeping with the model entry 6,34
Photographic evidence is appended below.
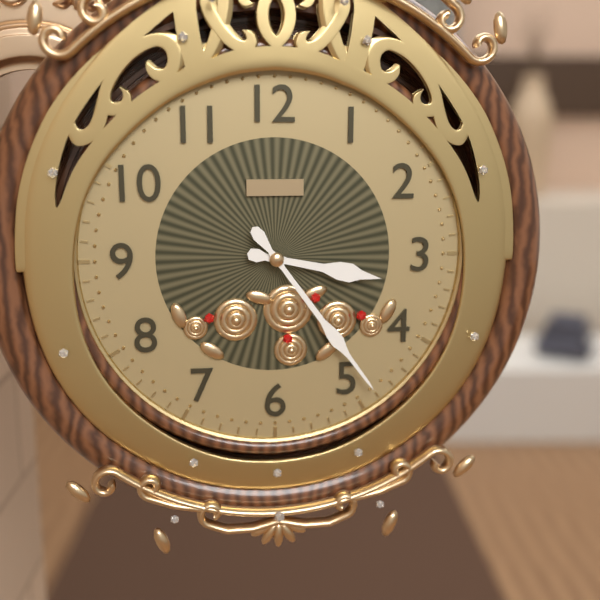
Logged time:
3,24
